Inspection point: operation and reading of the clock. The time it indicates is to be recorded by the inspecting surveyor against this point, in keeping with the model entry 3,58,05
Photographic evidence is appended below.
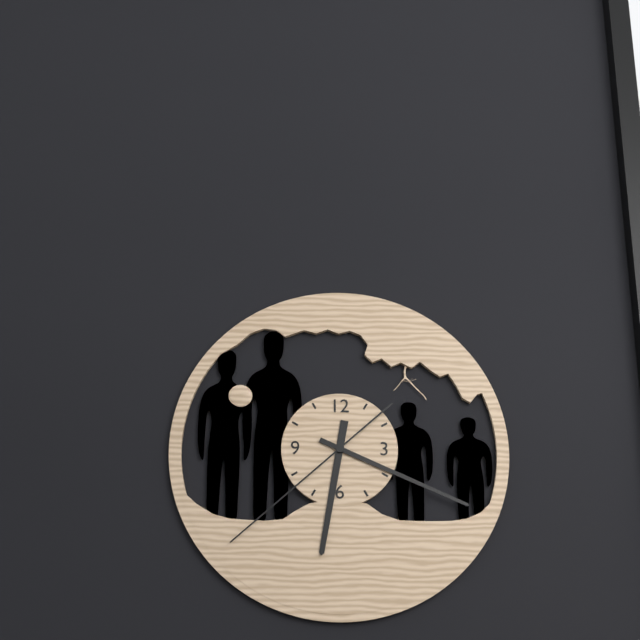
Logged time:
6,19,38
